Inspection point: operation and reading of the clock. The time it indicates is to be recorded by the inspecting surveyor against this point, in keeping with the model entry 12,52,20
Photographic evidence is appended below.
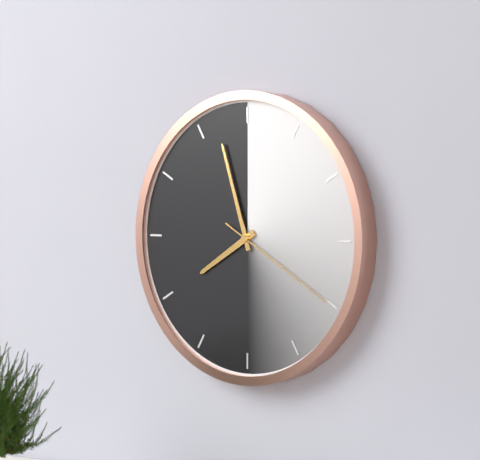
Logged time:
7,57,20
